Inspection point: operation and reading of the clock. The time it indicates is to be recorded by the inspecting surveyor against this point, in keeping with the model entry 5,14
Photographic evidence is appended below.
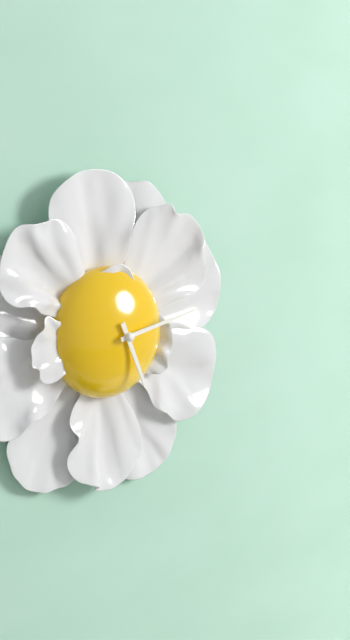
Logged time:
5,13
